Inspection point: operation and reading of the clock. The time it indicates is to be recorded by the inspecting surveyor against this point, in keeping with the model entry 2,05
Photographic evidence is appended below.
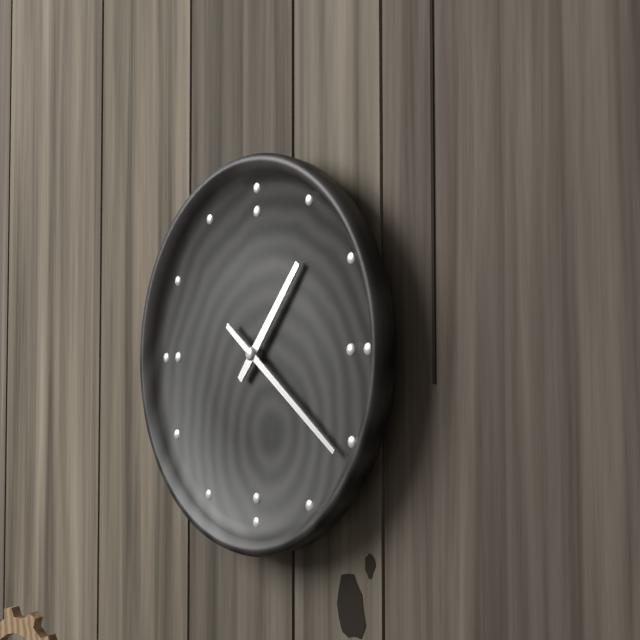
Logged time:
1,21
